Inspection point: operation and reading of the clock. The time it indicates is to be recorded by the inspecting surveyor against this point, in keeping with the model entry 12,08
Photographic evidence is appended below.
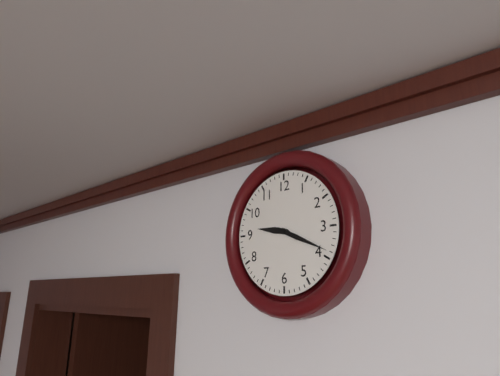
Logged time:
9,19
